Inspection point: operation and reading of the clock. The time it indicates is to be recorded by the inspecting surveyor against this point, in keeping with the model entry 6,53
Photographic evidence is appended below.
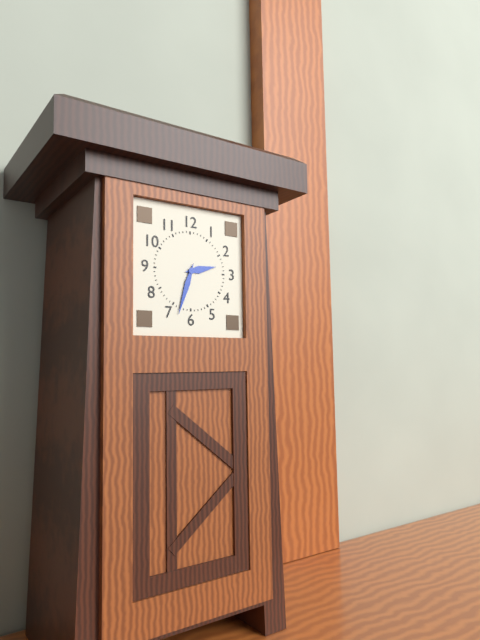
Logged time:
2,33
